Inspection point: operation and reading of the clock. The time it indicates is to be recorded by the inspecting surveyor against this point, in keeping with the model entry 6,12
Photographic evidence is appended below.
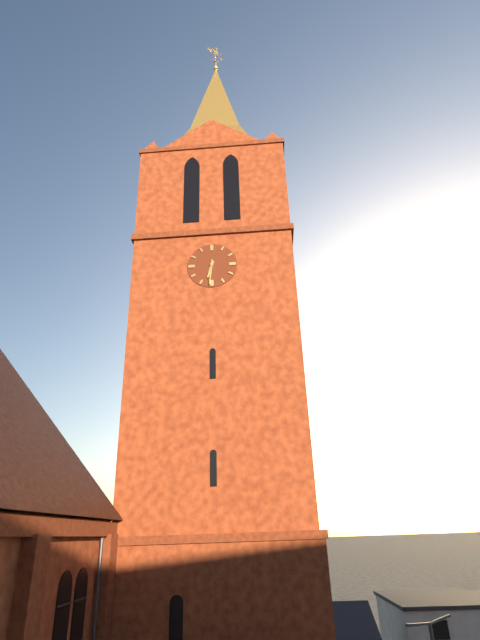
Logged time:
6,31
